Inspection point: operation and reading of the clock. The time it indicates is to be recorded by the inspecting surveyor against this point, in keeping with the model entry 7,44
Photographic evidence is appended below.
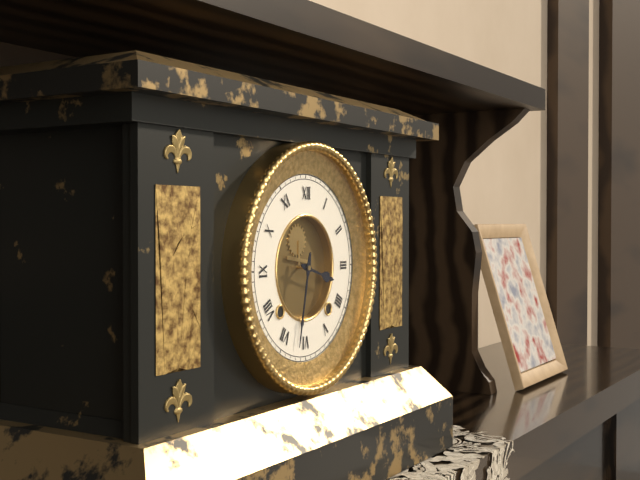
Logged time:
3,32
